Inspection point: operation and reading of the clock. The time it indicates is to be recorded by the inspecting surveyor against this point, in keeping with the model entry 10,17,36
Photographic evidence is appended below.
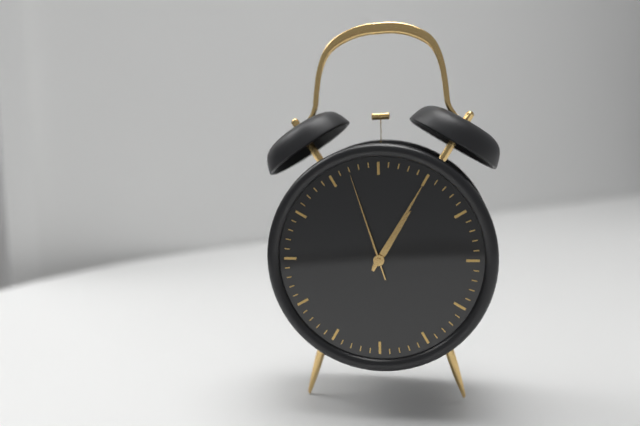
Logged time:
1,05,57
